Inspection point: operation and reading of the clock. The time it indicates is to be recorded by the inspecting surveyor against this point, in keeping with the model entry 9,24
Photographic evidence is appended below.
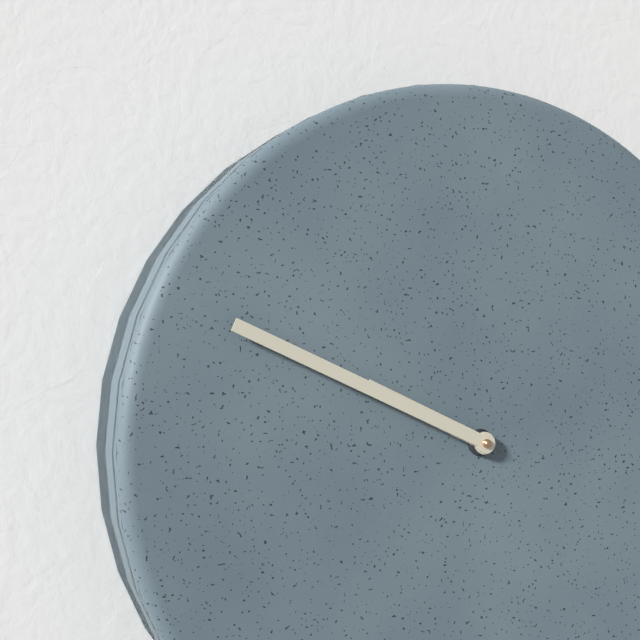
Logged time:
9,49
